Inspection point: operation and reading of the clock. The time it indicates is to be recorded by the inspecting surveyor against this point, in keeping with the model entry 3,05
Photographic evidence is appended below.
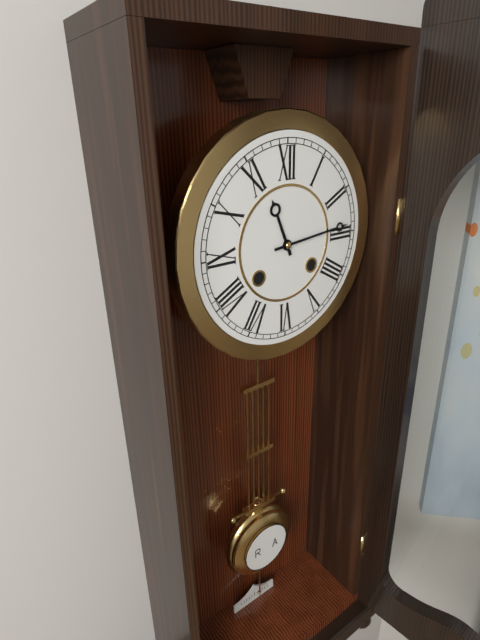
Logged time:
11,14
